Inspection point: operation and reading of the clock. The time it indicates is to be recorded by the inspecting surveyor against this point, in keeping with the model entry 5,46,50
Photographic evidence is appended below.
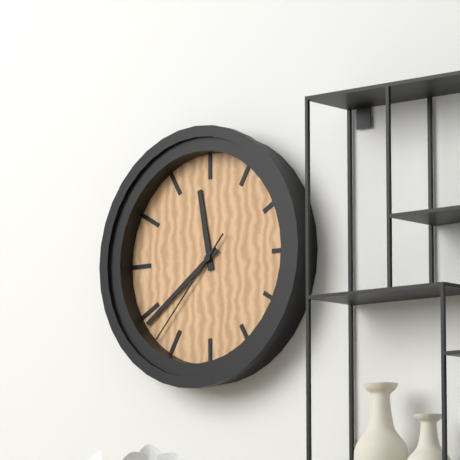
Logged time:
11,39,37
